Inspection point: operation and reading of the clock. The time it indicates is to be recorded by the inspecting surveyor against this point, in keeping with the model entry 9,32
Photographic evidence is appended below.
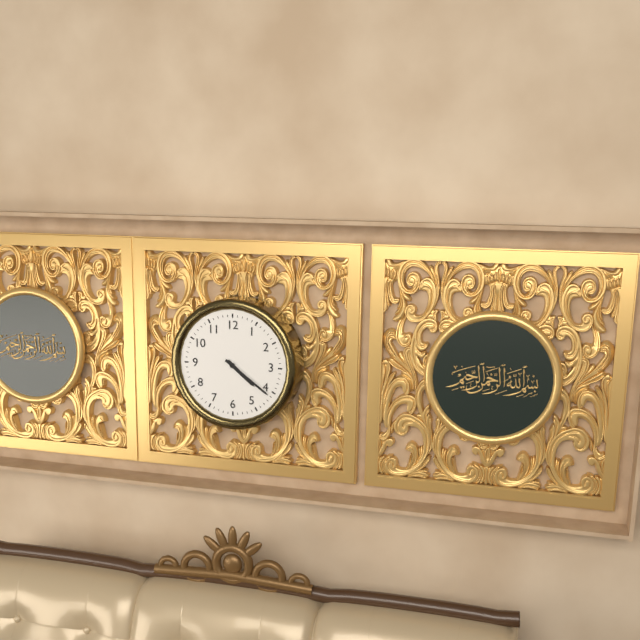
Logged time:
4,21
